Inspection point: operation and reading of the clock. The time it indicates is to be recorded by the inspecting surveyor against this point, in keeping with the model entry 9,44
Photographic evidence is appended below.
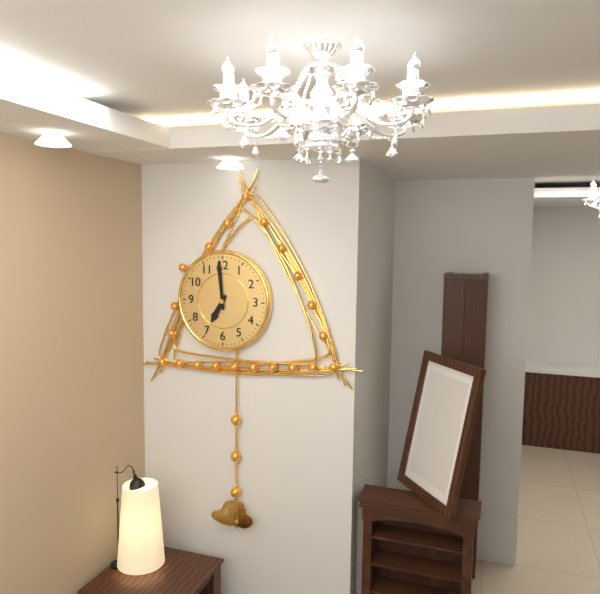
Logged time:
6,59
